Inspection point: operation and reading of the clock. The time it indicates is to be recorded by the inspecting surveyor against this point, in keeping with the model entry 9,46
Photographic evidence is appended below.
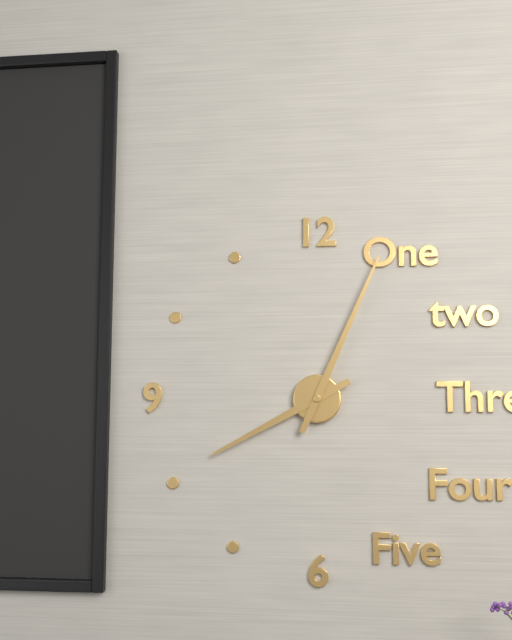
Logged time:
8,04
